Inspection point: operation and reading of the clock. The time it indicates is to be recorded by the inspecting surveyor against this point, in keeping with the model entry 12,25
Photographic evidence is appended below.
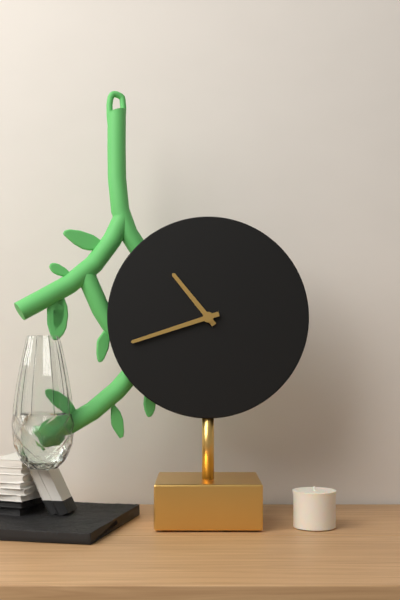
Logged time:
10,42
